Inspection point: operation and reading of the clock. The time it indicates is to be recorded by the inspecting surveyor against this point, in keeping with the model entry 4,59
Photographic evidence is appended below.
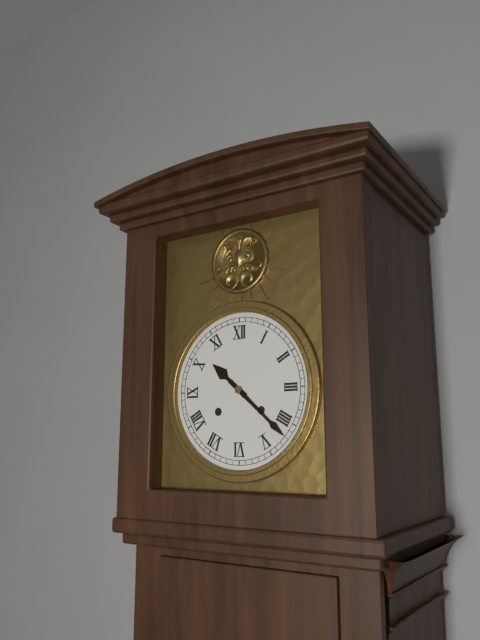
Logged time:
10,22
